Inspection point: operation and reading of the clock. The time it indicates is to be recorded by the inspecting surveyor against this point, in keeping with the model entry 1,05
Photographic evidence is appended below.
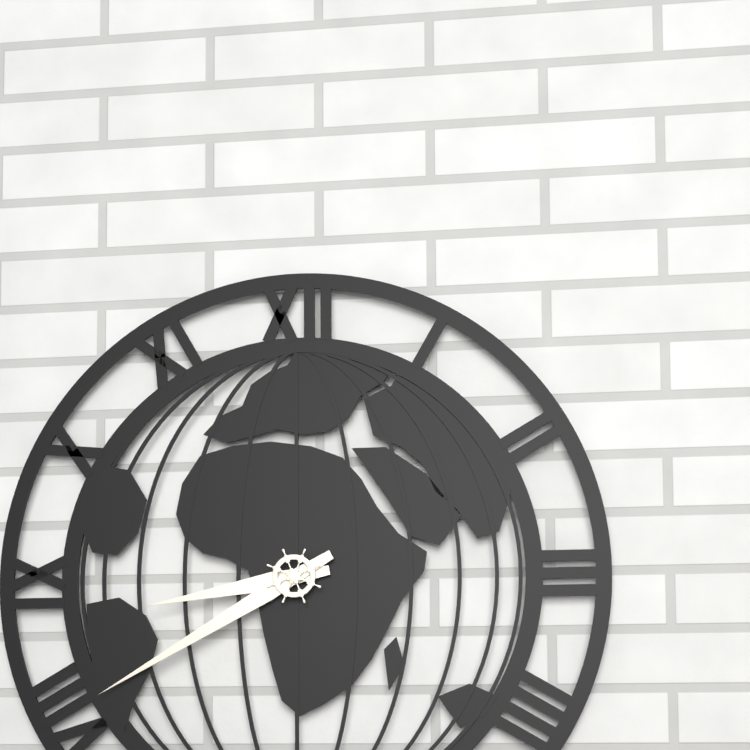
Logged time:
8,40
